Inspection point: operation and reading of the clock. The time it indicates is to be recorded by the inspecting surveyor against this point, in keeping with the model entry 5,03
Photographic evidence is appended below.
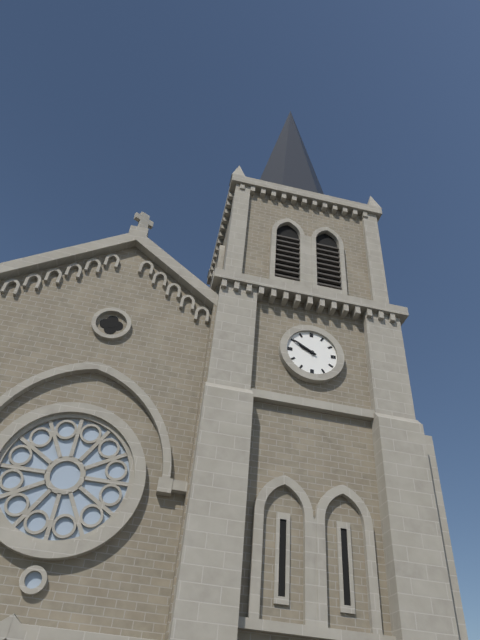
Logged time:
9,50
